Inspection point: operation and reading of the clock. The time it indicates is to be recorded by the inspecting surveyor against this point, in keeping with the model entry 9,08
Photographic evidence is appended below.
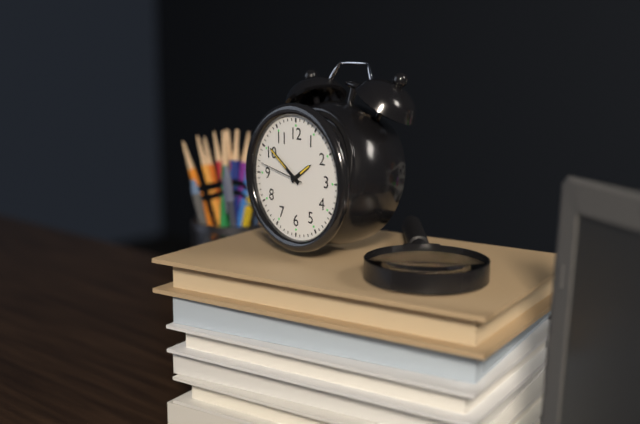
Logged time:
1,51
